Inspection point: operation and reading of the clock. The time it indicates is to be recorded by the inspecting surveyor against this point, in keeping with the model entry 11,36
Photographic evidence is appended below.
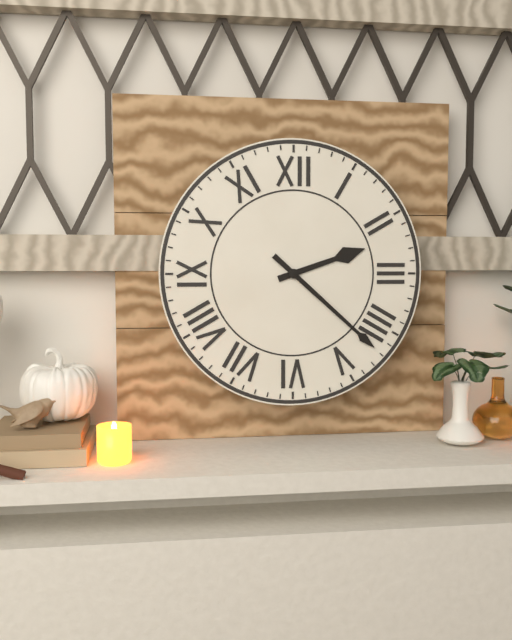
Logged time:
2,22
